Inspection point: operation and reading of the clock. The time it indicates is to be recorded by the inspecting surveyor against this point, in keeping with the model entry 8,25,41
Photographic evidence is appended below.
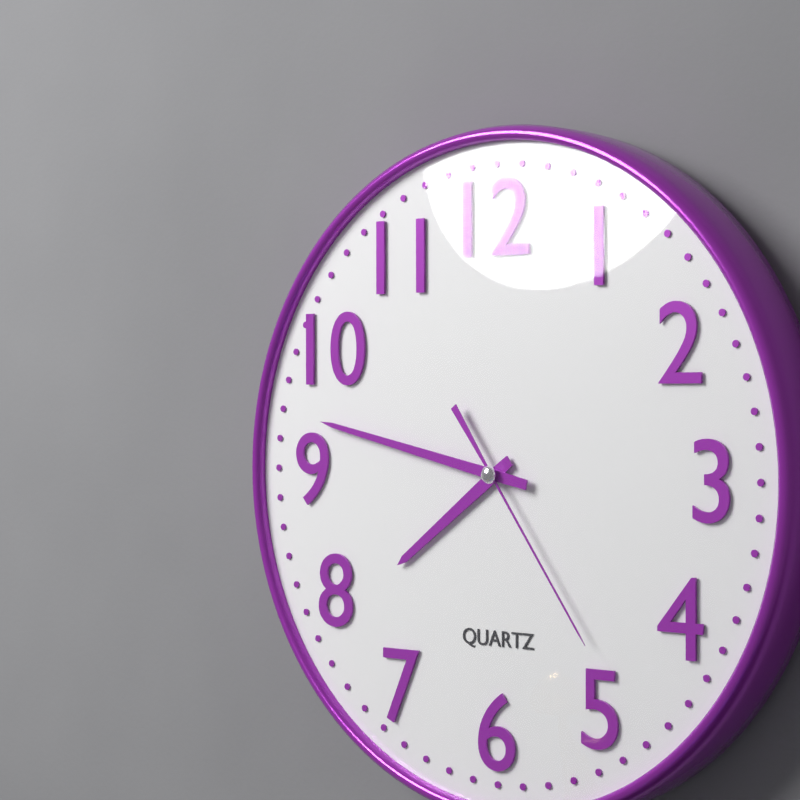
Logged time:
7,47,24
